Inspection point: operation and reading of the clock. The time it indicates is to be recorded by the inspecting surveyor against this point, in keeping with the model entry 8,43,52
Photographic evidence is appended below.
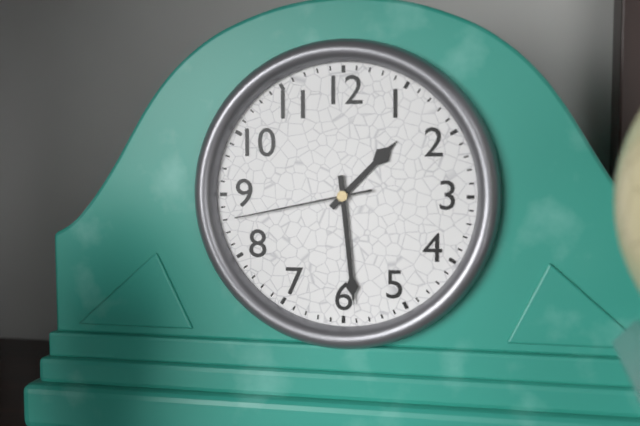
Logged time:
1,29,43
